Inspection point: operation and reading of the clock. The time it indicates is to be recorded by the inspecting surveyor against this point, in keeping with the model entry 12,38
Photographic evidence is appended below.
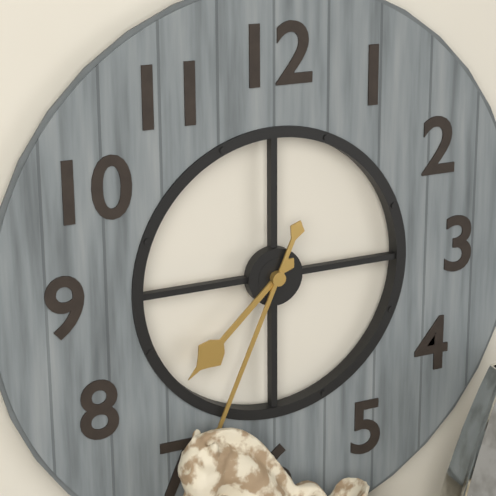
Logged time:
7,34
